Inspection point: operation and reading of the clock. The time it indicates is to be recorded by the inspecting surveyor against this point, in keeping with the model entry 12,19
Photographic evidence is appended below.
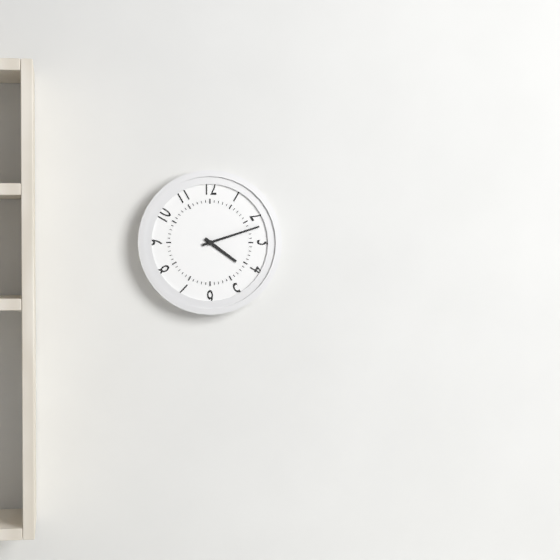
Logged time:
4,12
